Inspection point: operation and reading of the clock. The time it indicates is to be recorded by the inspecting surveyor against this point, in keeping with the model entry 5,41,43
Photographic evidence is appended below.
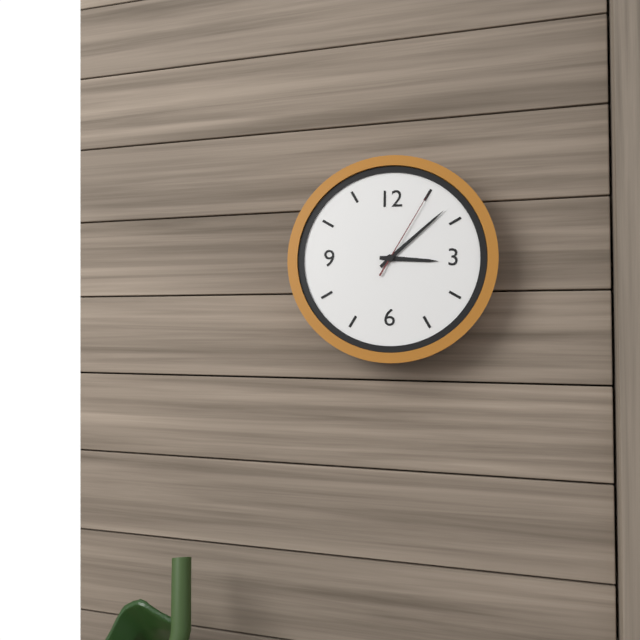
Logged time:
3,08,05
